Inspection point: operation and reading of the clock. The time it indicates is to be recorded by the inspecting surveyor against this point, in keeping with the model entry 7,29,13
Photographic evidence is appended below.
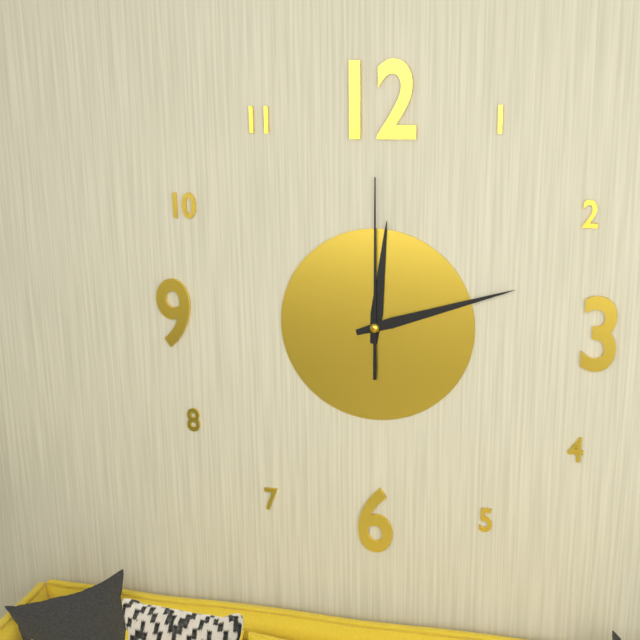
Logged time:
12,12,00
